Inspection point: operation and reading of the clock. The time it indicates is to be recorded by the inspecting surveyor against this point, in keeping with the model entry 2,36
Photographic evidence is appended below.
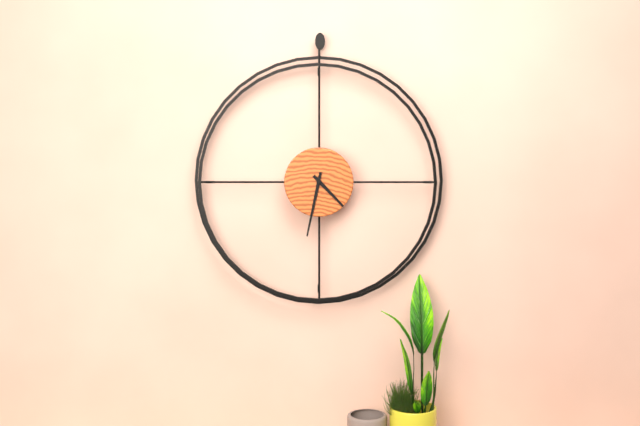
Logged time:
4,32
